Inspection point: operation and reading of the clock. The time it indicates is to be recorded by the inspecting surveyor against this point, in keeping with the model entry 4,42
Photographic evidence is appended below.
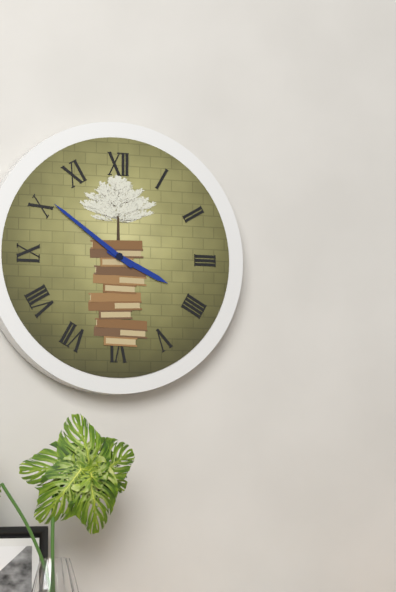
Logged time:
3,51
